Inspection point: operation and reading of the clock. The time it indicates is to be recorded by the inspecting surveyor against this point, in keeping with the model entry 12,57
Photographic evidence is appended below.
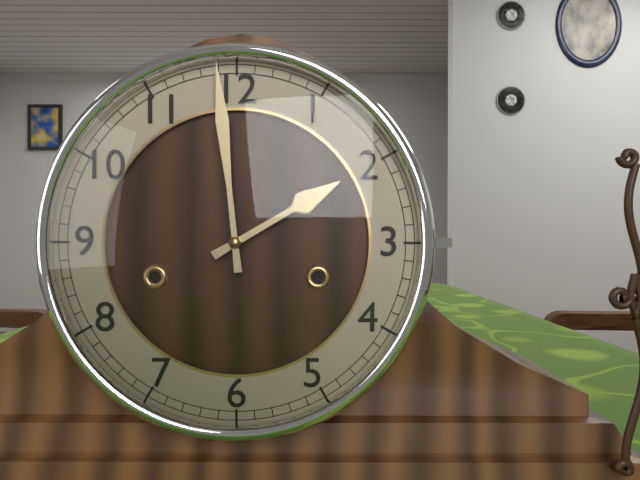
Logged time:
1,59
